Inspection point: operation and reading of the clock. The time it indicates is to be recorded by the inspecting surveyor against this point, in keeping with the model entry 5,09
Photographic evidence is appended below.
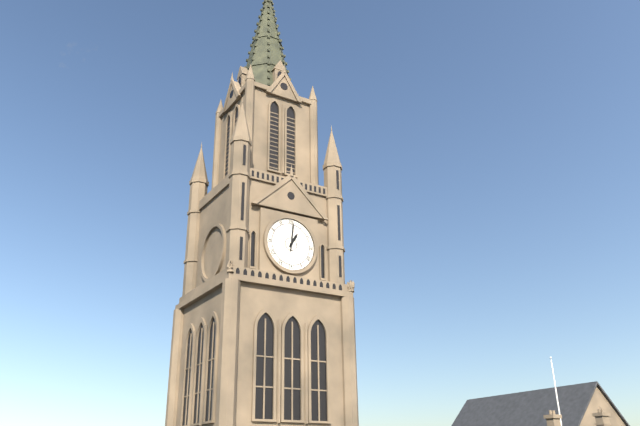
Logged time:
1,01
